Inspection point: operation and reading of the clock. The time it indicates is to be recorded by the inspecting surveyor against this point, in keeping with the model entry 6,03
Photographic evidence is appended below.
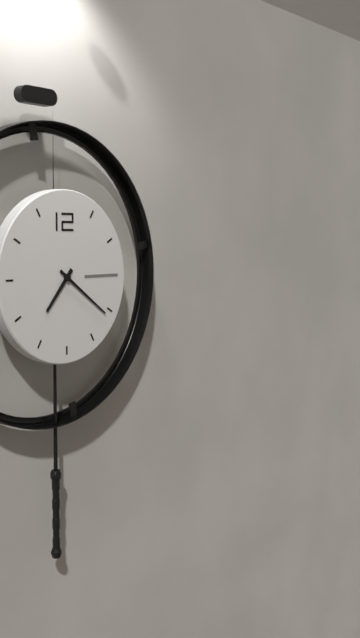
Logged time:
7,21
